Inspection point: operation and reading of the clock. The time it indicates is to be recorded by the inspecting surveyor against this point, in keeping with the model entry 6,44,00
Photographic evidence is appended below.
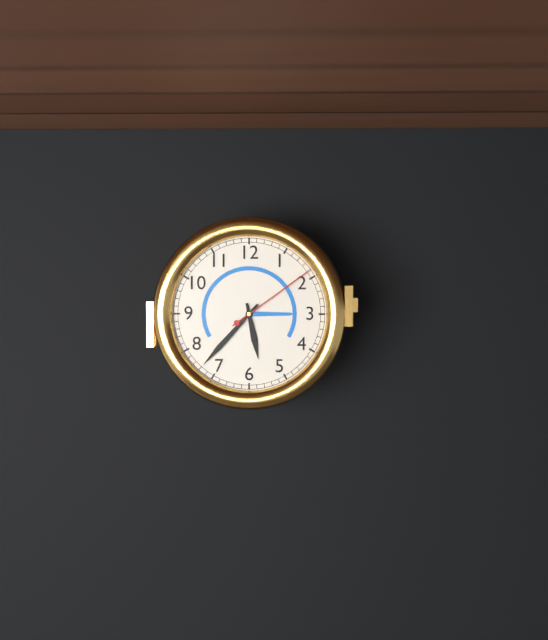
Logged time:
5,37,09
